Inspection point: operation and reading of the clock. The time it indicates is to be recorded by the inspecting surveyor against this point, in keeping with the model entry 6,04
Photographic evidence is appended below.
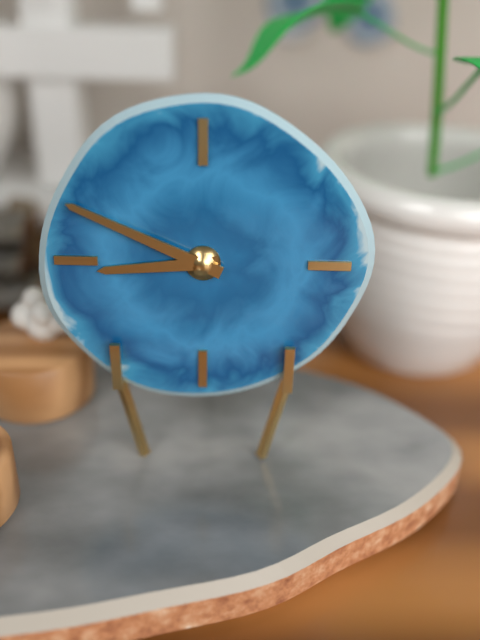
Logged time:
8,49
